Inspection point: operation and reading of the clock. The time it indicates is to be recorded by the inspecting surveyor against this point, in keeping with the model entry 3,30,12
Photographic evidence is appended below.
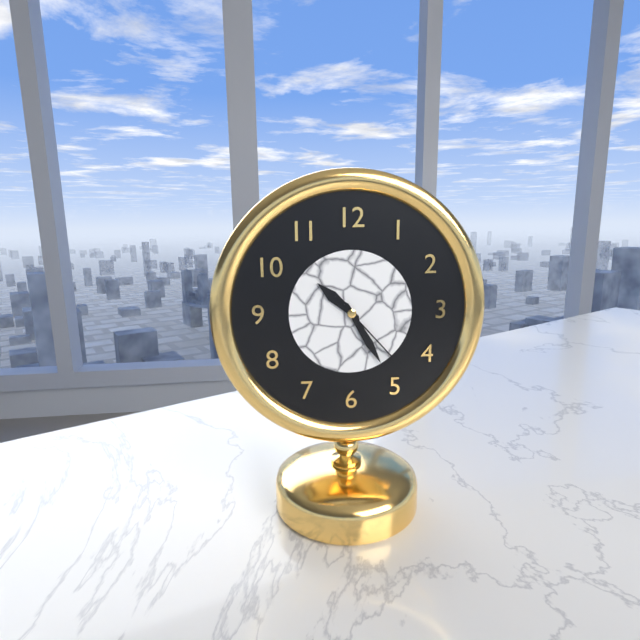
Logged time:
10,25,23
